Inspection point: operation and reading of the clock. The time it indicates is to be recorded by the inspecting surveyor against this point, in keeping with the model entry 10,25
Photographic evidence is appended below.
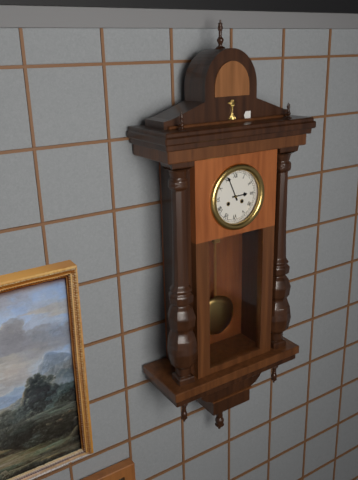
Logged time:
2,56
